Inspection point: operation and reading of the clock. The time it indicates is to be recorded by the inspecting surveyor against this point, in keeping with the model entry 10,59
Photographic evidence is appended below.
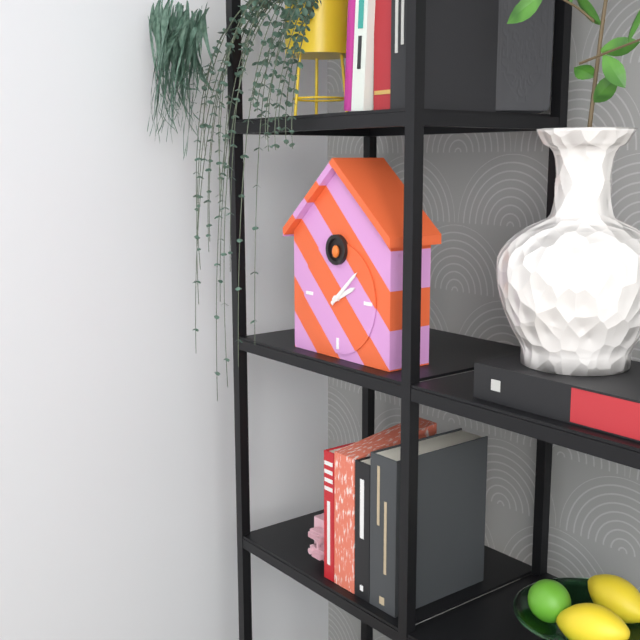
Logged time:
2,08
